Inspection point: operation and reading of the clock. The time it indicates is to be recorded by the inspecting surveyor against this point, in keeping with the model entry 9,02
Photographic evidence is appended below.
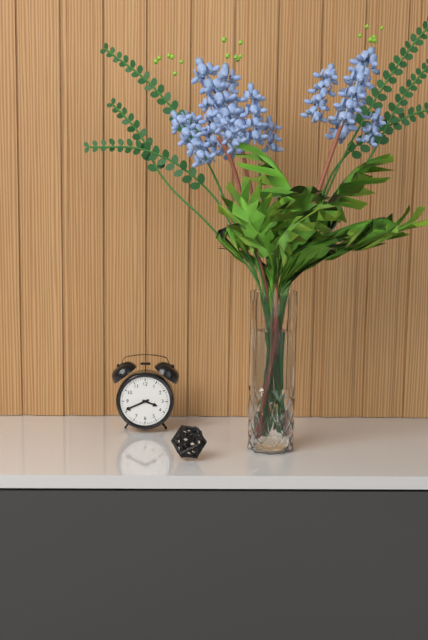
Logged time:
3,41
